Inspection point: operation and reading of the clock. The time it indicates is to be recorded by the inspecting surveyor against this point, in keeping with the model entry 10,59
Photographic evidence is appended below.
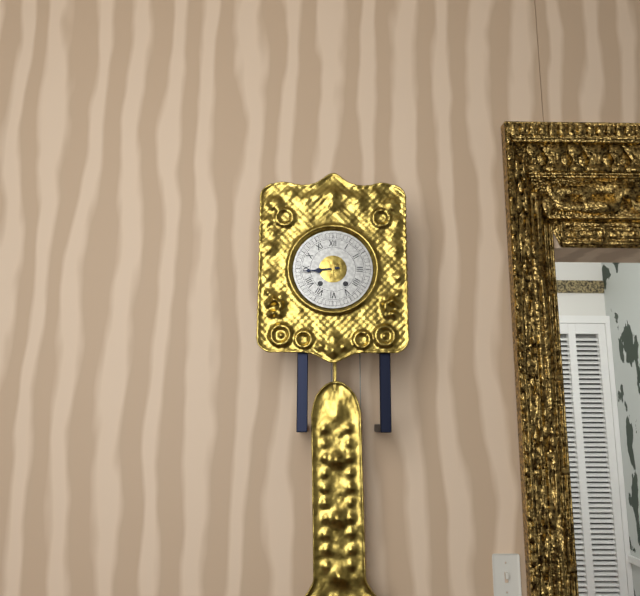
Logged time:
8,44
